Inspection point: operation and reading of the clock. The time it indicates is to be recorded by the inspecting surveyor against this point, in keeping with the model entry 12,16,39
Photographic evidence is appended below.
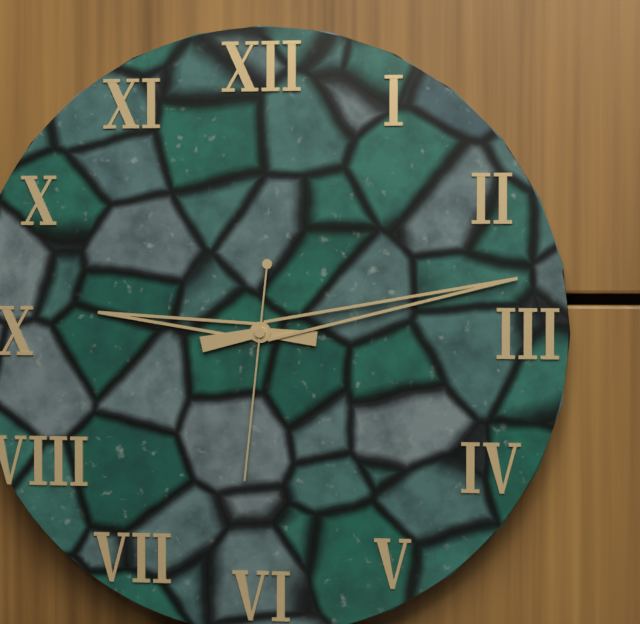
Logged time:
9,13,31
